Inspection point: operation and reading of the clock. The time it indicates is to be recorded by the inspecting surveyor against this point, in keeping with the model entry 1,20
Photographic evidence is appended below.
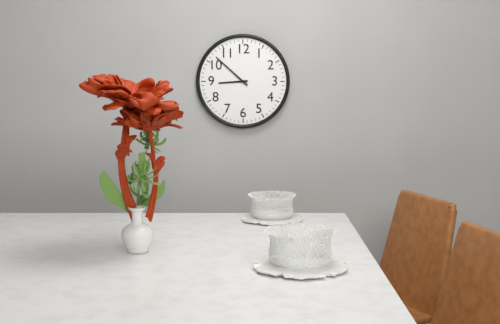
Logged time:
8,52
